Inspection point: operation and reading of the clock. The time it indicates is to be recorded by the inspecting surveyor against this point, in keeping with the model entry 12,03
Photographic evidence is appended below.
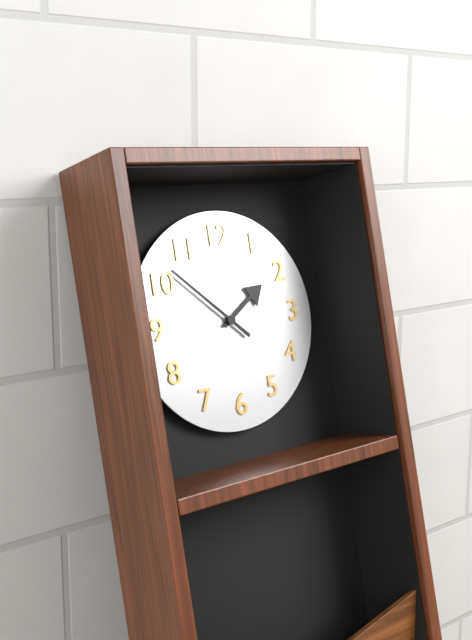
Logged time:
1,52
